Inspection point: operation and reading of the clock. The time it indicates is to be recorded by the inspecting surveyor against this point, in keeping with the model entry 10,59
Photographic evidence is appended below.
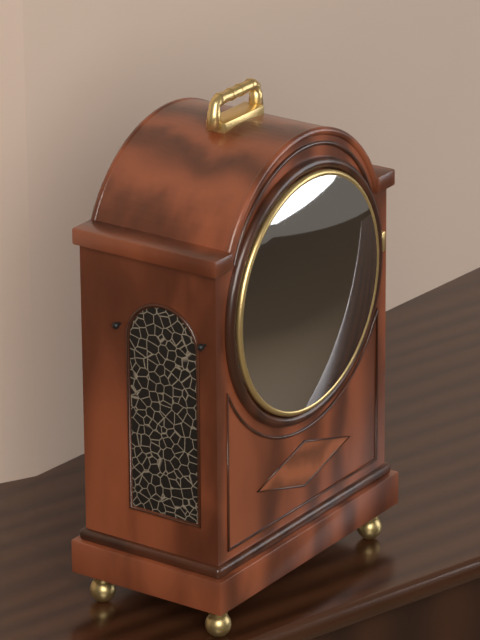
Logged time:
3,40
